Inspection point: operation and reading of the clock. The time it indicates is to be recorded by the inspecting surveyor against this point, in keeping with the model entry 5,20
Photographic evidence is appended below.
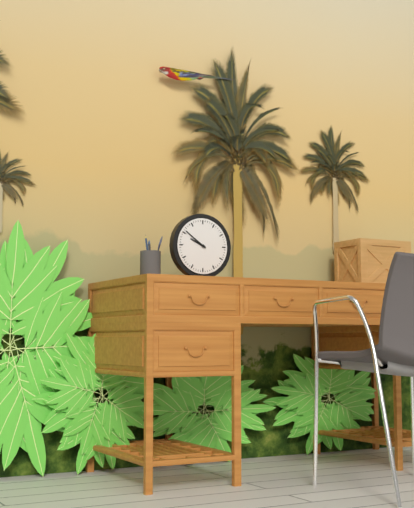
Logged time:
9,51
